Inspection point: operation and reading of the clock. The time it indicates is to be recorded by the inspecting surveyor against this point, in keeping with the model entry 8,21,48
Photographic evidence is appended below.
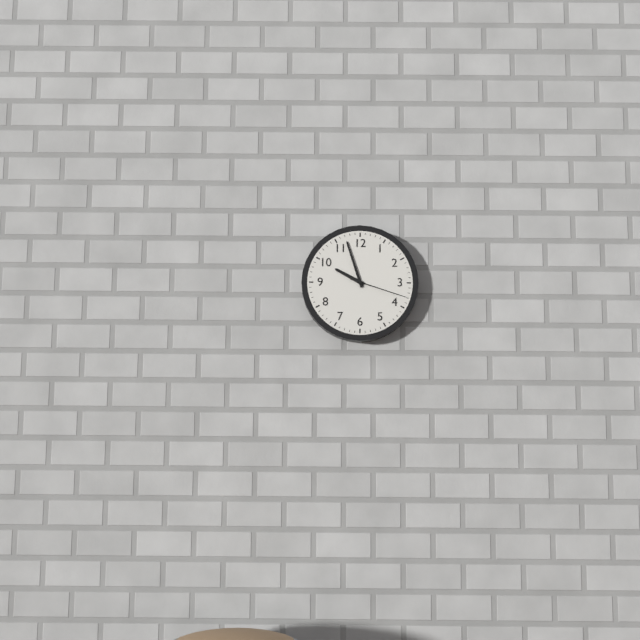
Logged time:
9,57,18
